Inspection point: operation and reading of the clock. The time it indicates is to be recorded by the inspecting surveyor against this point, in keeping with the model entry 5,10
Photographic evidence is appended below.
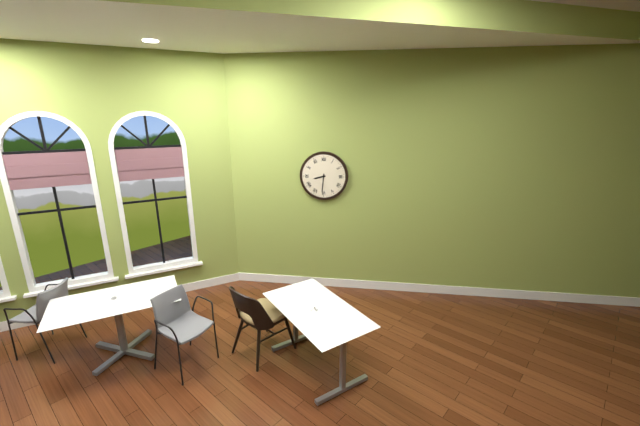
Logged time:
8,31
